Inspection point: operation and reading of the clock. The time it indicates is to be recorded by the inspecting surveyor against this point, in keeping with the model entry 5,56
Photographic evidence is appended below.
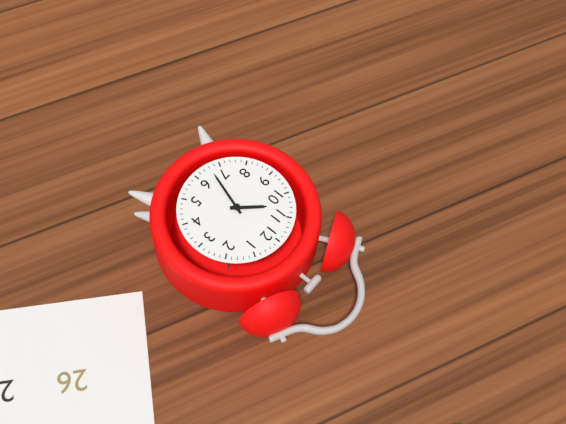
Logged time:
10,33
